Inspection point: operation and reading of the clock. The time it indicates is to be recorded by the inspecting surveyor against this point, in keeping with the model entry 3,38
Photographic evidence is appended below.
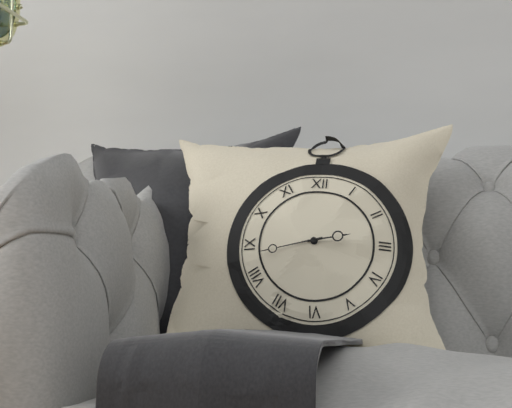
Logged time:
2,43
